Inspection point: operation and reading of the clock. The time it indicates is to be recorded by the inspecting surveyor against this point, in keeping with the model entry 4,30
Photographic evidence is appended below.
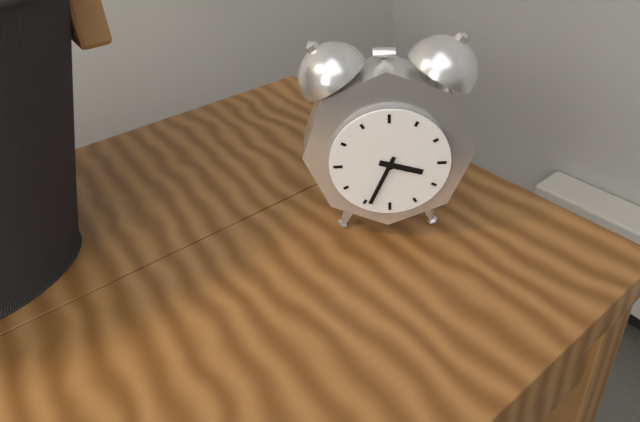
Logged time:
3,34
